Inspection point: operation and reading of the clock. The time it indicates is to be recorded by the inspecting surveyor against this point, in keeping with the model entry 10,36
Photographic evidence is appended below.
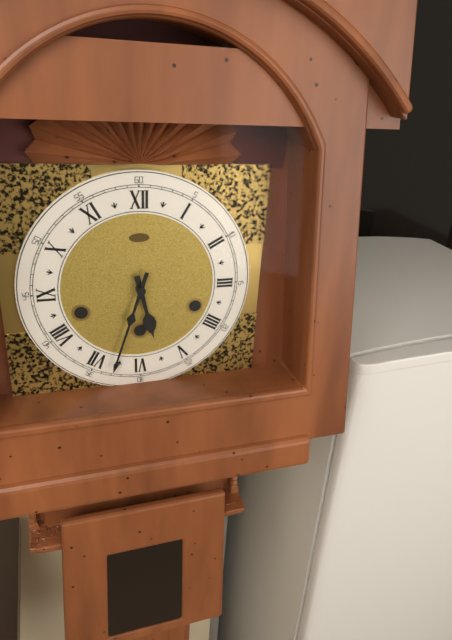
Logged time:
5,33
